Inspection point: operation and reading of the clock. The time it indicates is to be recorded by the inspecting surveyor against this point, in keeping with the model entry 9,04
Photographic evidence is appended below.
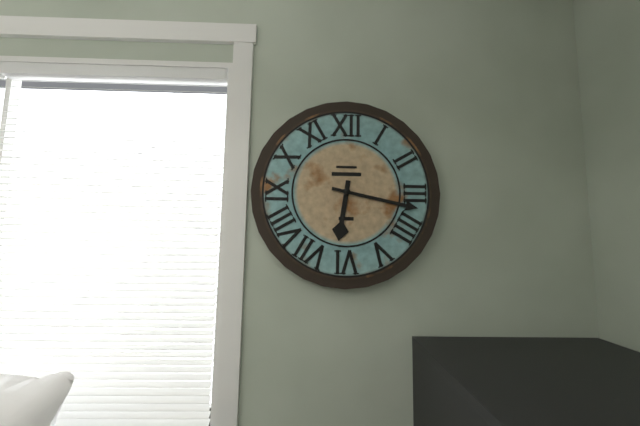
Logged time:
6,17
